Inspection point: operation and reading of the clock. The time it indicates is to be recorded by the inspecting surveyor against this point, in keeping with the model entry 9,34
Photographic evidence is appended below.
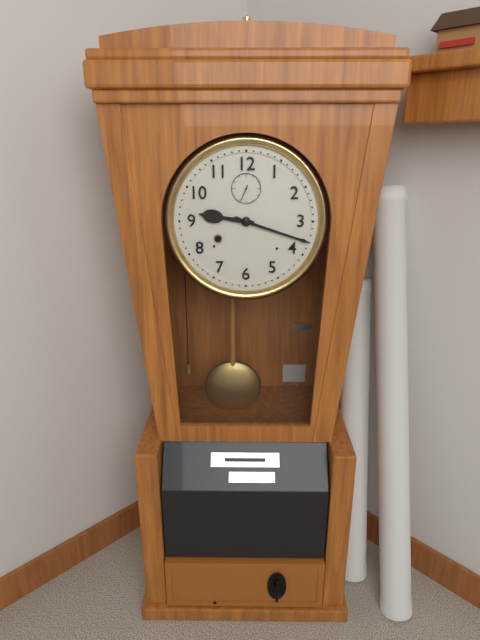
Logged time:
9,18
